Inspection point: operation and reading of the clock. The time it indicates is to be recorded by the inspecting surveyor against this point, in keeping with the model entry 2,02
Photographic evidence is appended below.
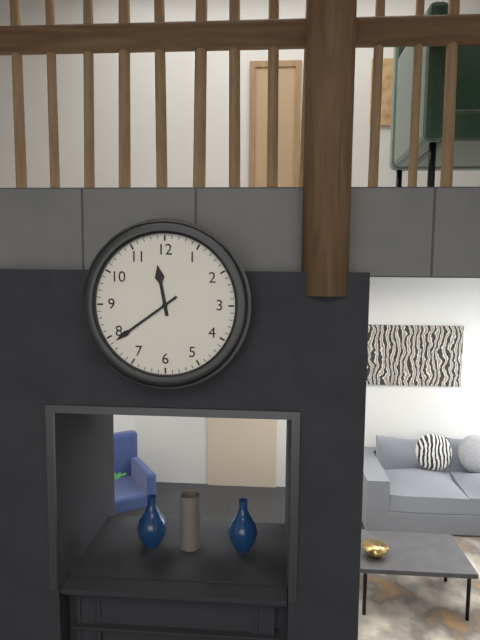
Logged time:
11,39
